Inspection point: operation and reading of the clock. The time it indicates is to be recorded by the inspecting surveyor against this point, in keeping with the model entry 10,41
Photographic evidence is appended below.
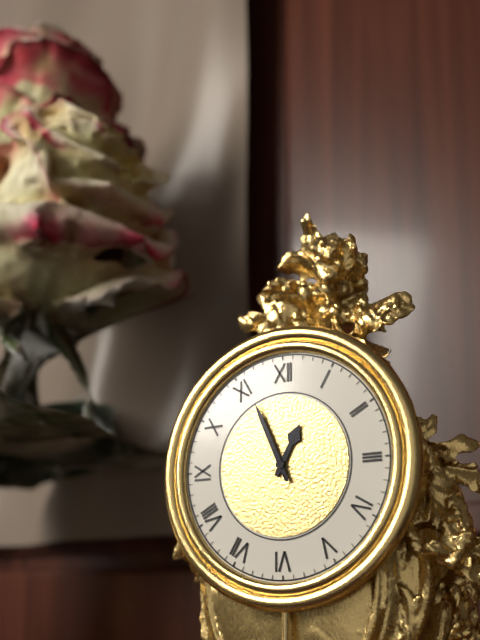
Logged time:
12,56
